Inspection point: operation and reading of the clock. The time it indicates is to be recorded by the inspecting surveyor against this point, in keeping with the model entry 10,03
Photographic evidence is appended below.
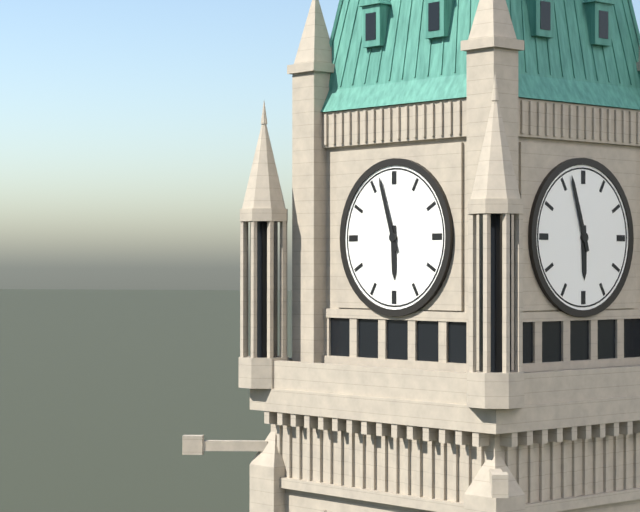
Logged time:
5,57
